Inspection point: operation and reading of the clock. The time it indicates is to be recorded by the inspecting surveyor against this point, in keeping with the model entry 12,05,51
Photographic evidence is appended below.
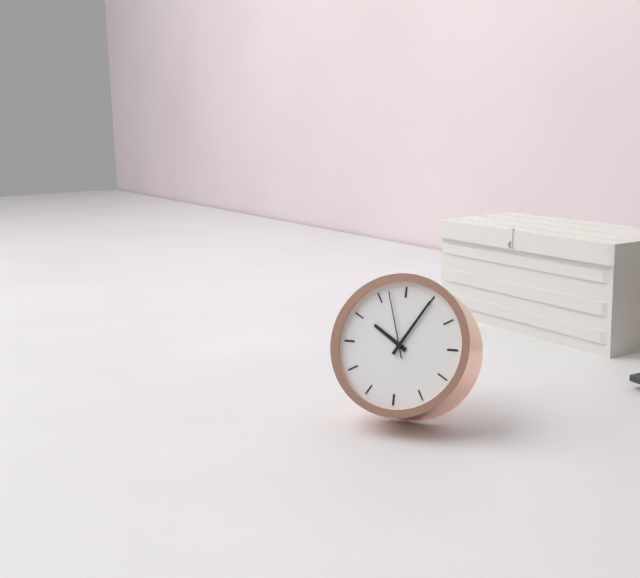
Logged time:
10,05,57
